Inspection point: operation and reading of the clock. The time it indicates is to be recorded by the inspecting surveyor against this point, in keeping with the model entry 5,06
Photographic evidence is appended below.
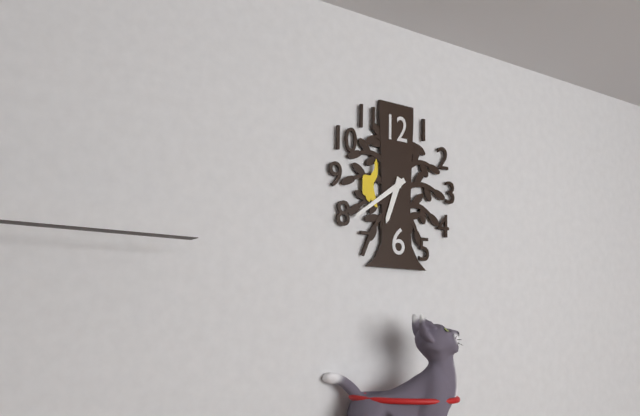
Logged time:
6,39
